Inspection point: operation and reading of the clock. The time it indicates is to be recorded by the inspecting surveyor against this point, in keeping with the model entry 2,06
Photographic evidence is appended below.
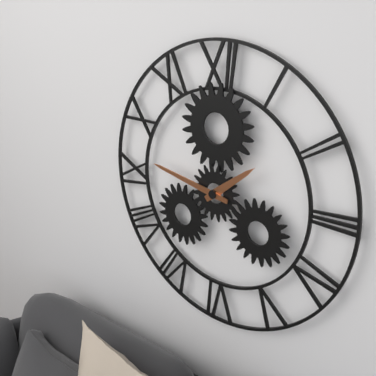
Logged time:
1,47
